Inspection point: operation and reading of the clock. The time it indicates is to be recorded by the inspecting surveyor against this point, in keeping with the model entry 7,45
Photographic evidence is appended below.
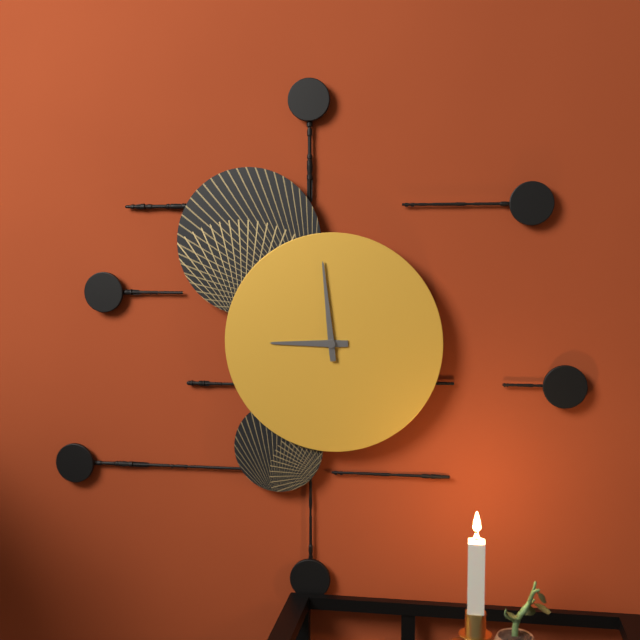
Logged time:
8,59
